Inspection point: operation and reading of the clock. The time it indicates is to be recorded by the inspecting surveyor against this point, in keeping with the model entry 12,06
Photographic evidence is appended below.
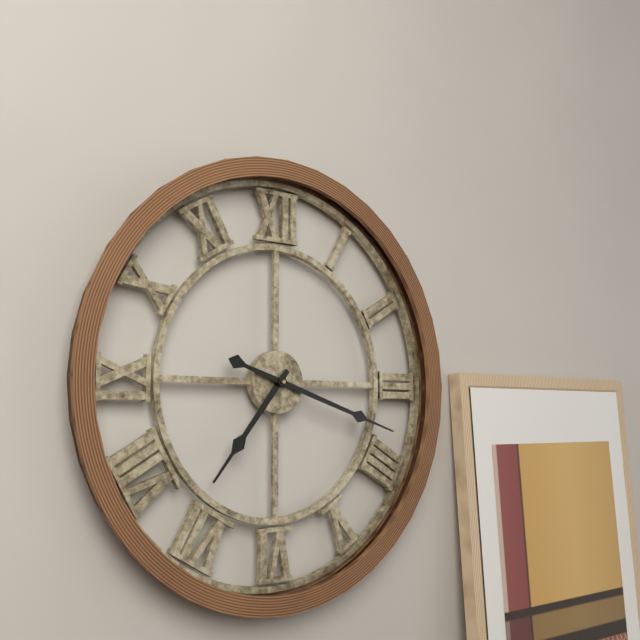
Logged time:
7,18
